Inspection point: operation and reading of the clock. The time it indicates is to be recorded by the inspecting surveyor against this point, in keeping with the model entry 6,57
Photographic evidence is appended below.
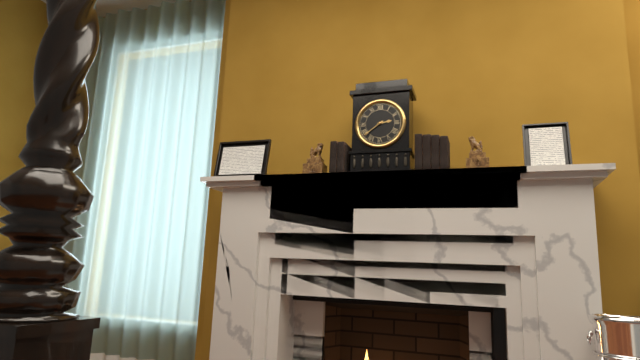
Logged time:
2,39
